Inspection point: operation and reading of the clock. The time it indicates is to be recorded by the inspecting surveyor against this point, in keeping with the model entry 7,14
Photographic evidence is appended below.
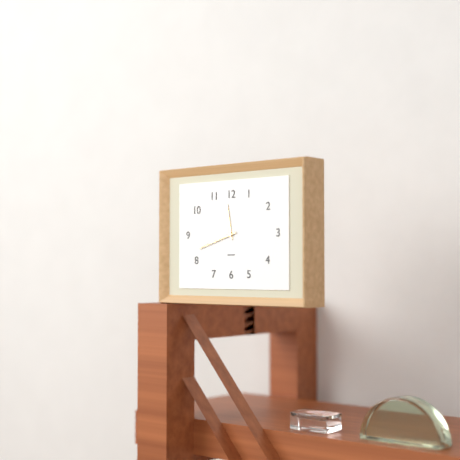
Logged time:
11,42
